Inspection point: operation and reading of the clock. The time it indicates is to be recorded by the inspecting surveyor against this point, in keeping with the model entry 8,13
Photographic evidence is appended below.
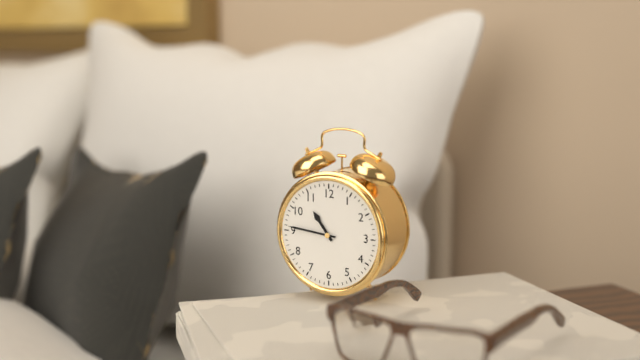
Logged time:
10,46
